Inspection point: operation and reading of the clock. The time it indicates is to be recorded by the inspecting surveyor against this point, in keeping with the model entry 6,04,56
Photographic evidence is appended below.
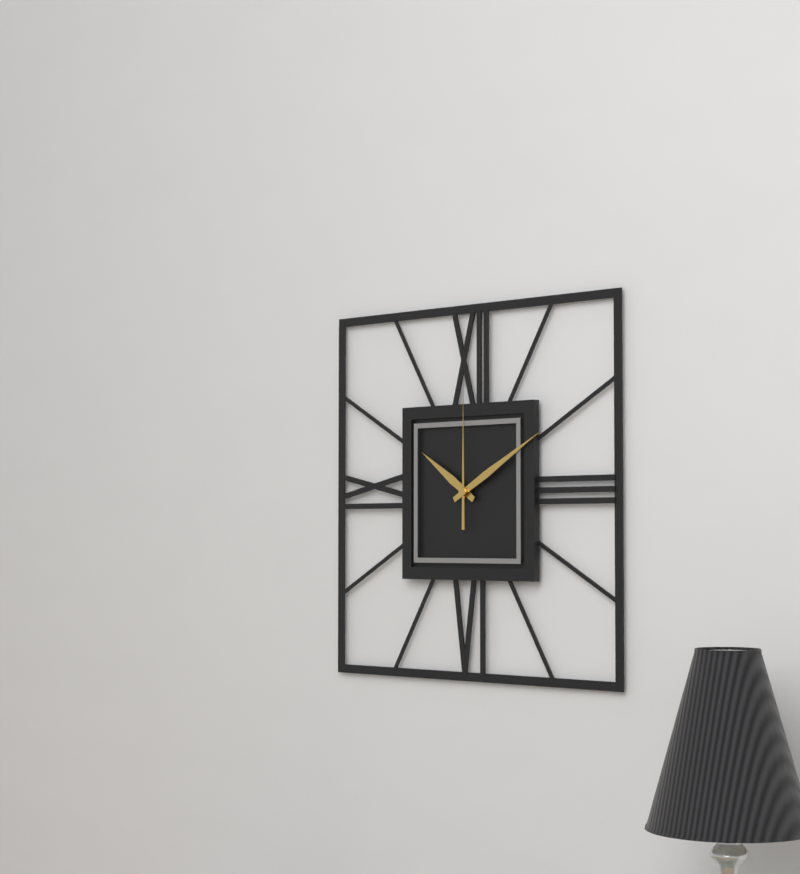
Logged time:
10,10,00
